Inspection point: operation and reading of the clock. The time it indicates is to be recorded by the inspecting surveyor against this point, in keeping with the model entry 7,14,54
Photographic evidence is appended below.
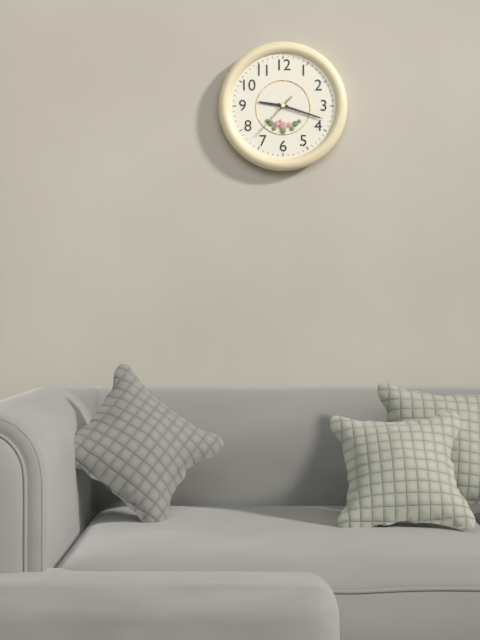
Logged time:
9,18,37
